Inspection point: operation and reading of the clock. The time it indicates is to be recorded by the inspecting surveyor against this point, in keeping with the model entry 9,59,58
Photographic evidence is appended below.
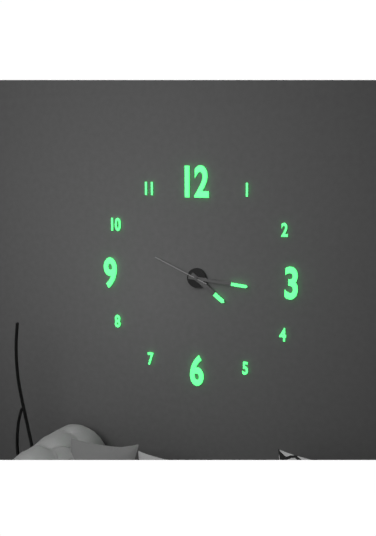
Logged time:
4,16,49
